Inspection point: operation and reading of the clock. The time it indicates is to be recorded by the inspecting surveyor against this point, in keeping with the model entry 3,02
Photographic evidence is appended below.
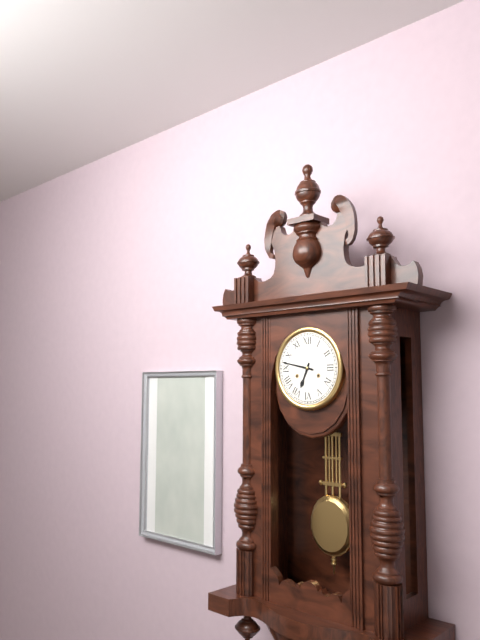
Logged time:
6,47
